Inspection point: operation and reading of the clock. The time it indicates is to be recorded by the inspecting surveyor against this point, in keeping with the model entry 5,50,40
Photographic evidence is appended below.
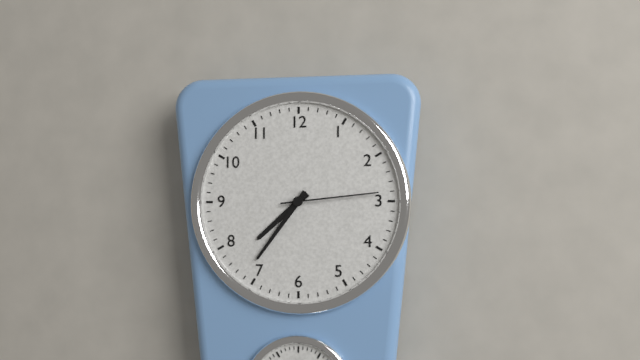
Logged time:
7,36,14
